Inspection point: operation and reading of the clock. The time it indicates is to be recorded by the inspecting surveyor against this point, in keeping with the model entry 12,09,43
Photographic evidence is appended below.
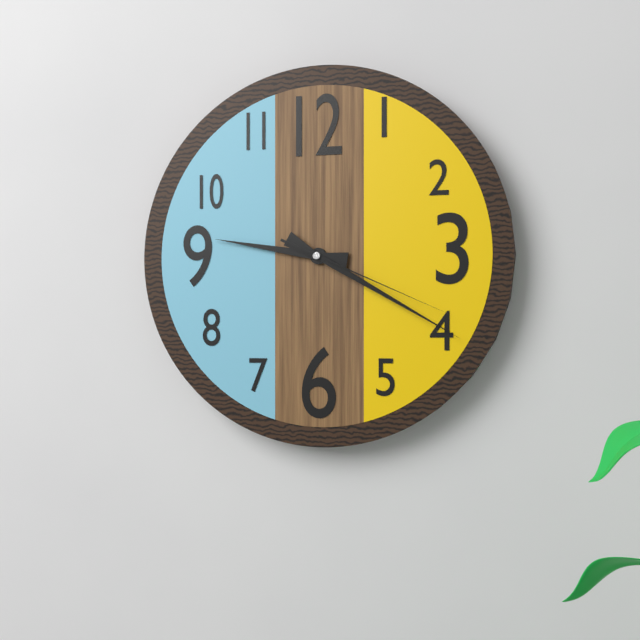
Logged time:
9,20,19
